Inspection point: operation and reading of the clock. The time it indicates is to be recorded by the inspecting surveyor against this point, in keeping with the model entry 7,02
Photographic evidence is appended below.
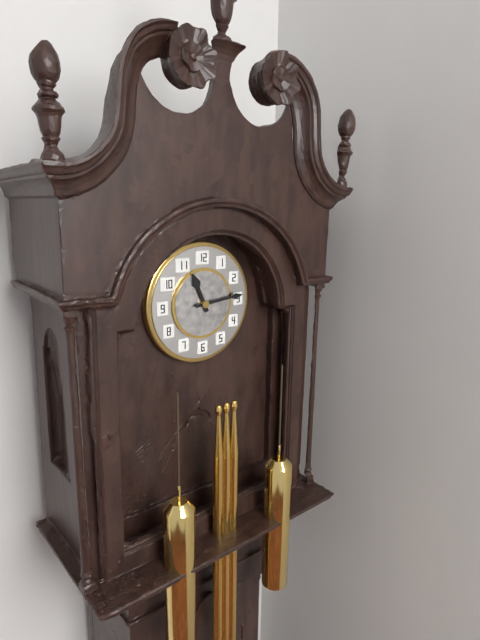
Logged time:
11,14
